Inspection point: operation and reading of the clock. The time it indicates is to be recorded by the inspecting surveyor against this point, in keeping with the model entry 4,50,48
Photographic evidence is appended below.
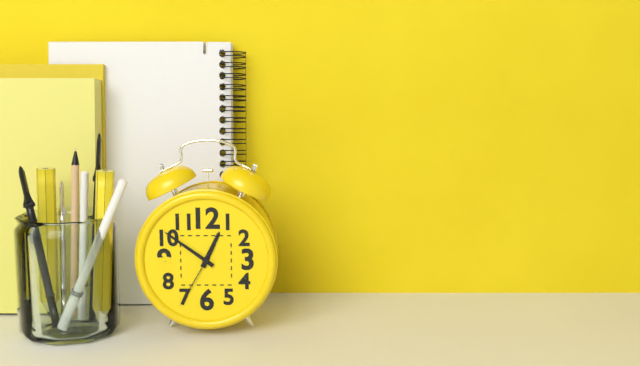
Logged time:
12,51,35
